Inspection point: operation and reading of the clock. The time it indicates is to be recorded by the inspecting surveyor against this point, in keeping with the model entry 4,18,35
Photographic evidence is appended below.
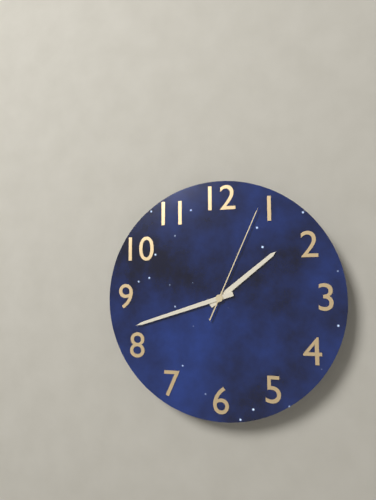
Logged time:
1,42,04
